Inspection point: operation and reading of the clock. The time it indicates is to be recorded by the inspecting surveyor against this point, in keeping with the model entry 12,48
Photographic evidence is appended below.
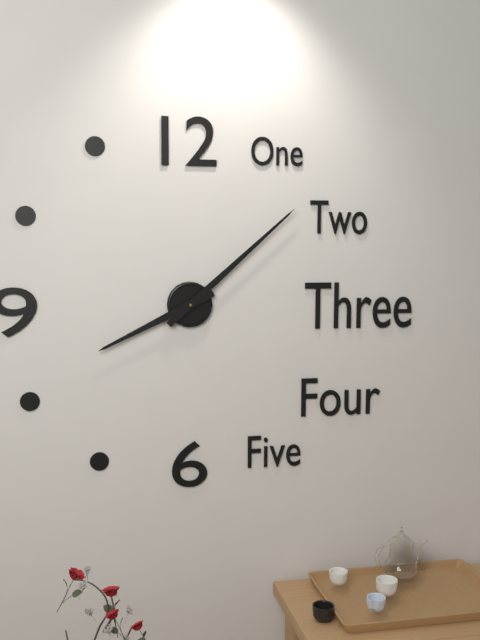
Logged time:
8,08
